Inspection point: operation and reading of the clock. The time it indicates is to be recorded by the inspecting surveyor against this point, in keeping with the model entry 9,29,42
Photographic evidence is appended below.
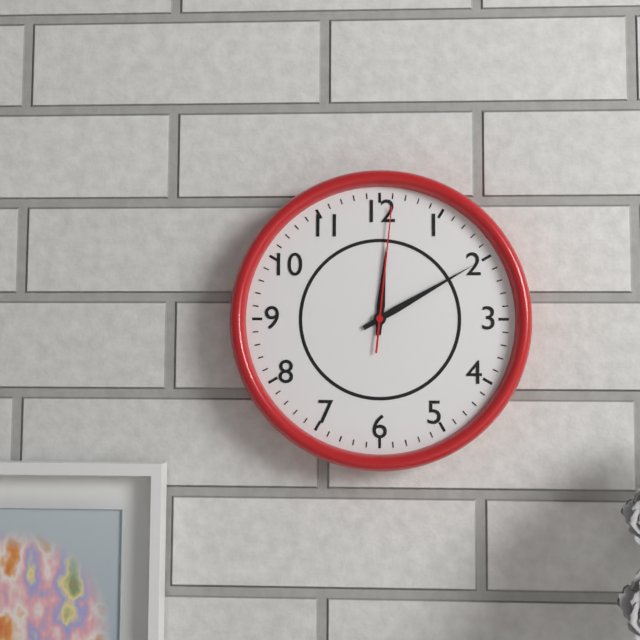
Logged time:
12,10,01
